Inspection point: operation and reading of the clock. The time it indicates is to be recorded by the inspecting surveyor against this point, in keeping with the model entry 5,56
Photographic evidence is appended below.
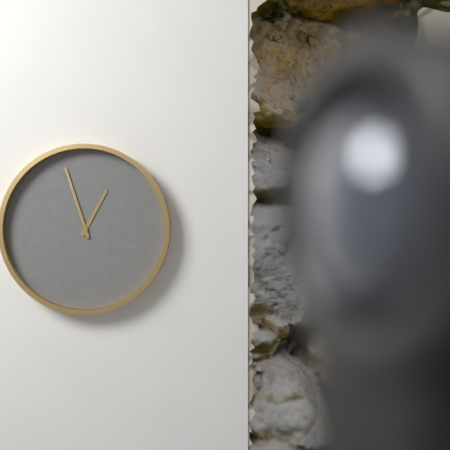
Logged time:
12,57
